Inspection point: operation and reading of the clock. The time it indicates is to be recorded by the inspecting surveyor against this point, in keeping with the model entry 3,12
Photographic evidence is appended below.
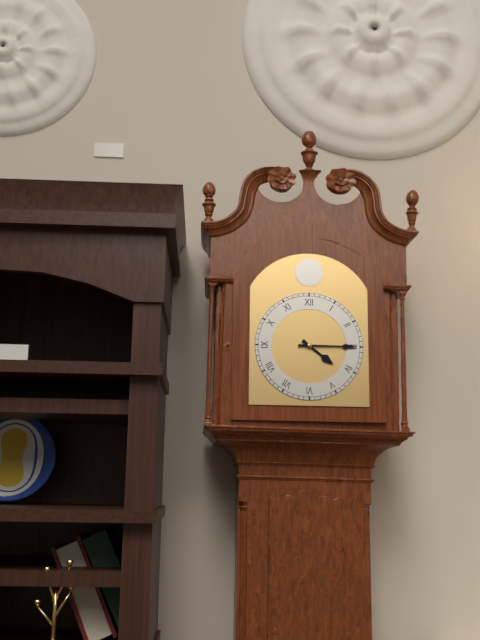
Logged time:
4,15
